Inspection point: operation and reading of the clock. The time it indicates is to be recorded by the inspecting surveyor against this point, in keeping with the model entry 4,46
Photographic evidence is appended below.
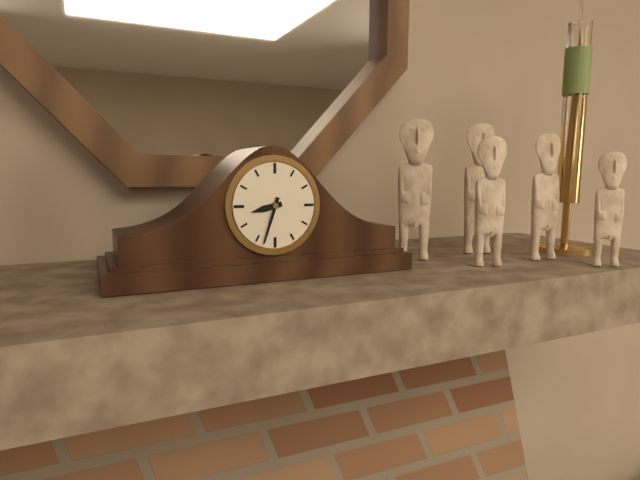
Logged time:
8,33
